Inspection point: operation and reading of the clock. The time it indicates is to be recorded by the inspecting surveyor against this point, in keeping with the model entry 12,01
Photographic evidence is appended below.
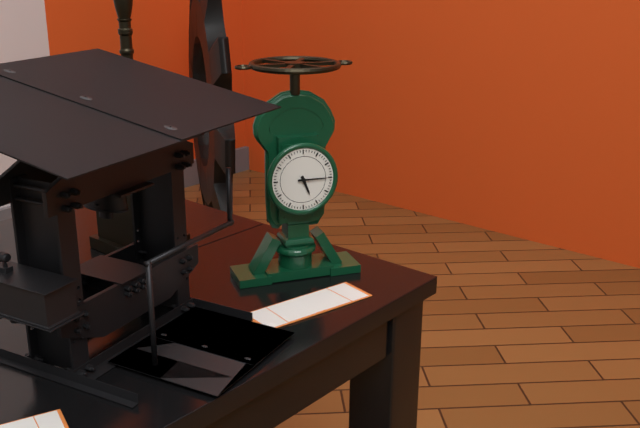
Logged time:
5,15
